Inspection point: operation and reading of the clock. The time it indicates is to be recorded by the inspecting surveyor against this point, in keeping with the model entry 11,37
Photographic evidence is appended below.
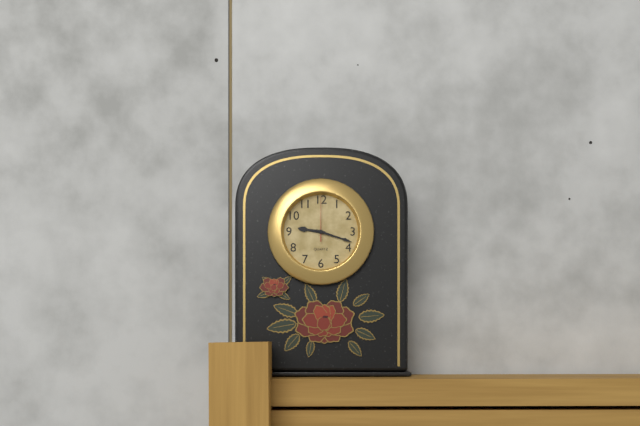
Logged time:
9,18
